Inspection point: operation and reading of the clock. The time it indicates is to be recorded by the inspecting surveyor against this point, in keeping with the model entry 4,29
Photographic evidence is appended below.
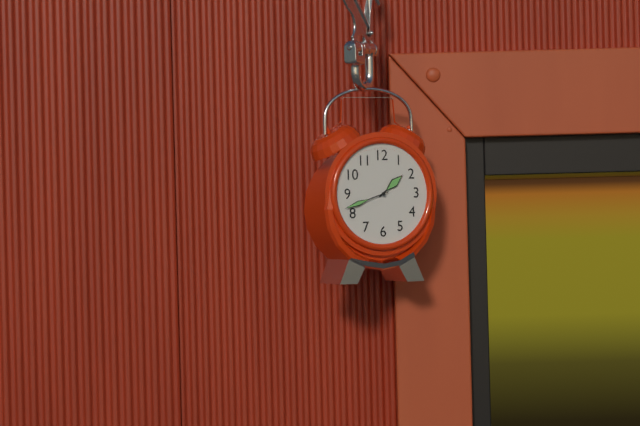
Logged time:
1,42
